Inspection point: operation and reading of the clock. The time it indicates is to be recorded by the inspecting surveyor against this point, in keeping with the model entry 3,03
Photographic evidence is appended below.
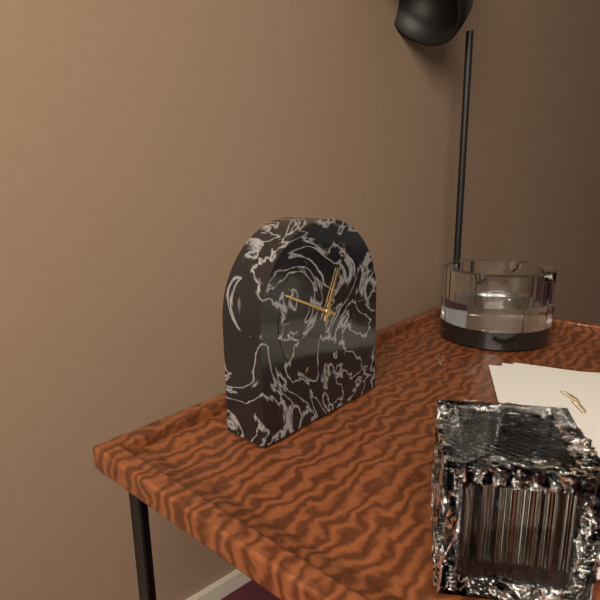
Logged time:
12,49
